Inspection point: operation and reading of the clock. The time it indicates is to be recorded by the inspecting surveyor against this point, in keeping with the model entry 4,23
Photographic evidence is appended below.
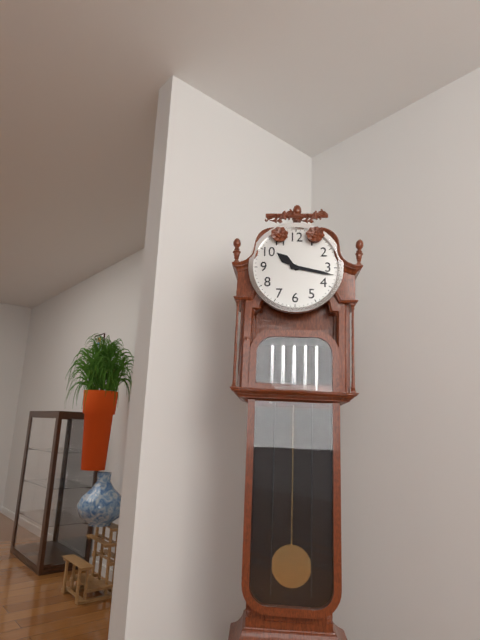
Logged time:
10,17
